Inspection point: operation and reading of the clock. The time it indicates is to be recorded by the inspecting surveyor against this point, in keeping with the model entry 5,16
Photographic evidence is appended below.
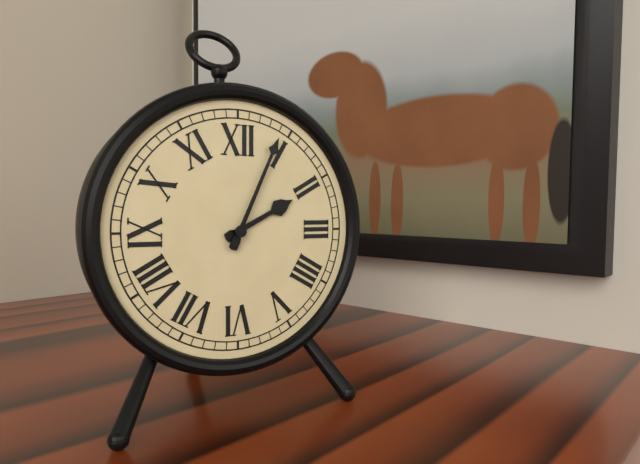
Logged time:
2,04
